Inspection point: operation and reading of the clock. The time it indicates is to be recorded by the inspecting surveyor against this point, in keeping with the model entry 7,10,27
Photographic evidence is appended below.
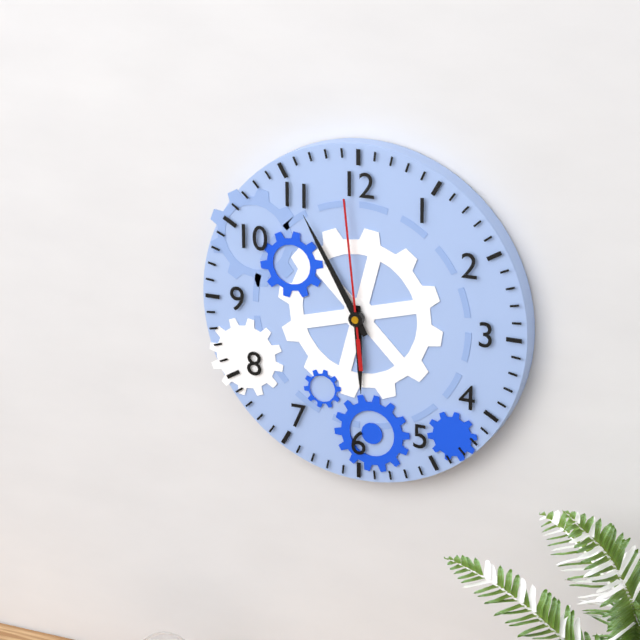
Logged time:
5,55,59
